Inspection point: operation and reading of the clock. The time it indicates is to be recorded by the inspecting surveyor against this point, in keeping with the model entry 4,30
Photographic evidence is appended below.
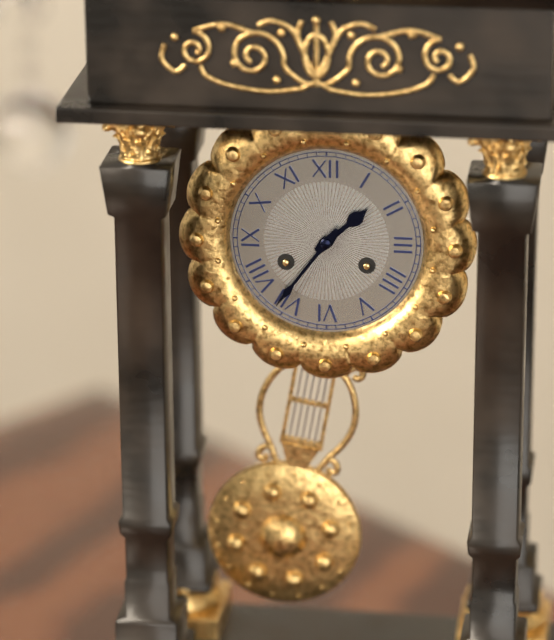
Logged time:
1,36
